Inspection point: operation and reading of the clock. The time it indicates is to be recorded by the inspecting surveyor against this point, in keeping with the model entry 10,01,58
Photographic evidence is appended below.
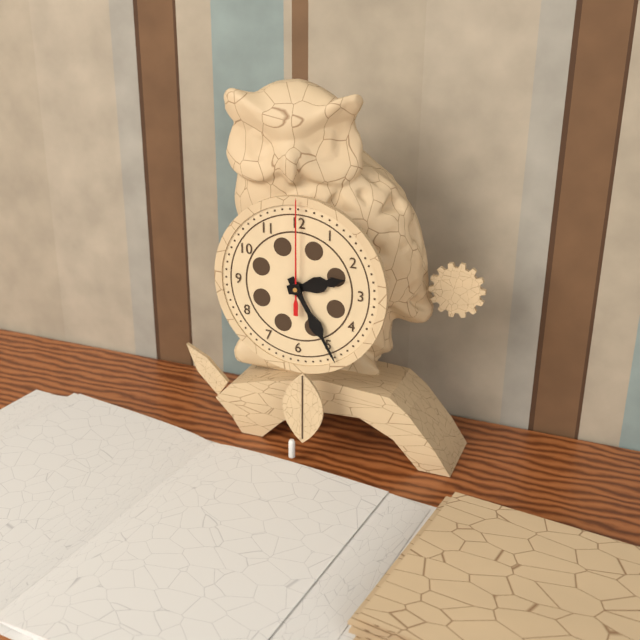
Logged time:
2,25,00
